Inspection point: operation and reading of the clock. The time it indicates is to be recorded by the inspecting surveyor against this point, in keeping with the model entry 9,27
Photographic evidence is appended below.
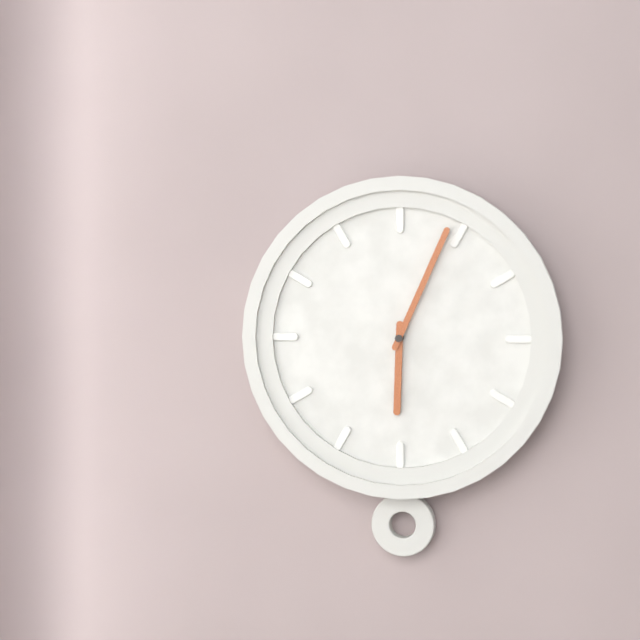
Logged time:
6,04
